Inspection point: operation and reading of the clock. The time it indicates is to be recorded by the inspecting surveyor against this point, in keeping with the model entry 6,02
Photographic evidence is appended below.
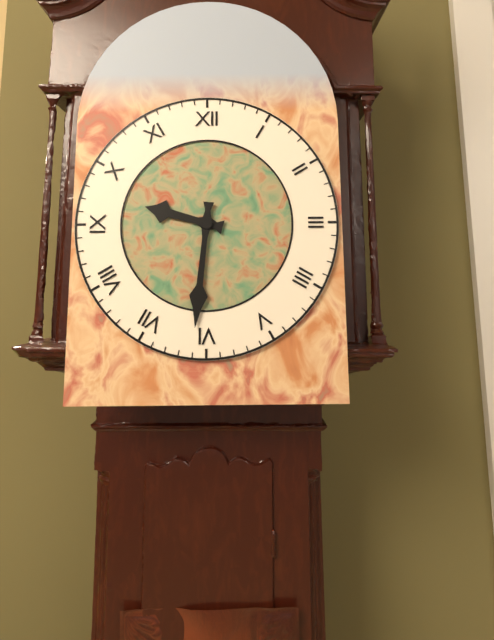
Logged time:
9,31
